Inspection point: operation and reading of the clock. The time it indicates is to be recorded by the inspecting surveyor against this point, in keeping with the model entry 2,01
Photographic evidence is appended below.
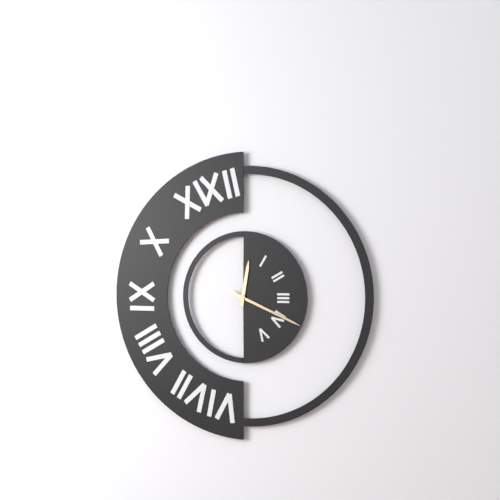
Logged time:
12,19
